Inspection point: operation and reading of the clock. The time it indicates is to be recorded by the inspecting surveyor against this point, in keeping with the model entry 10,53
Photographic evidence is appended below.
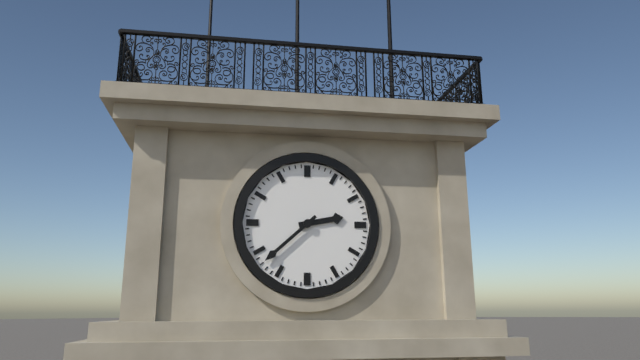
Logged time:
2,38
